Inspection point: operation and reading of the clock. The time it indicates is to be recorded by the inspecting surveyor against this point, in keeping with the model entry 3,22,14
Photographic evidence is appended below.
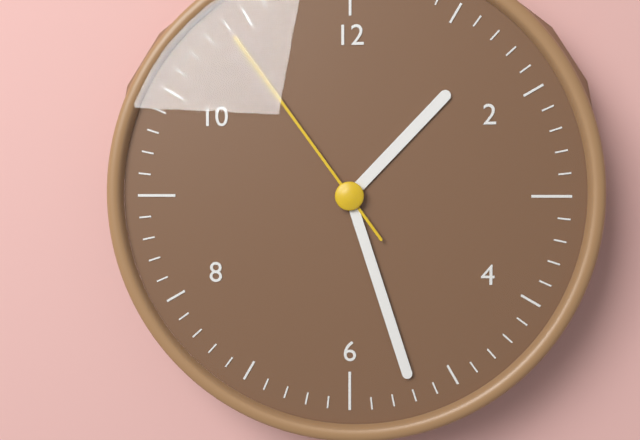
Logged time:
1,27,54
